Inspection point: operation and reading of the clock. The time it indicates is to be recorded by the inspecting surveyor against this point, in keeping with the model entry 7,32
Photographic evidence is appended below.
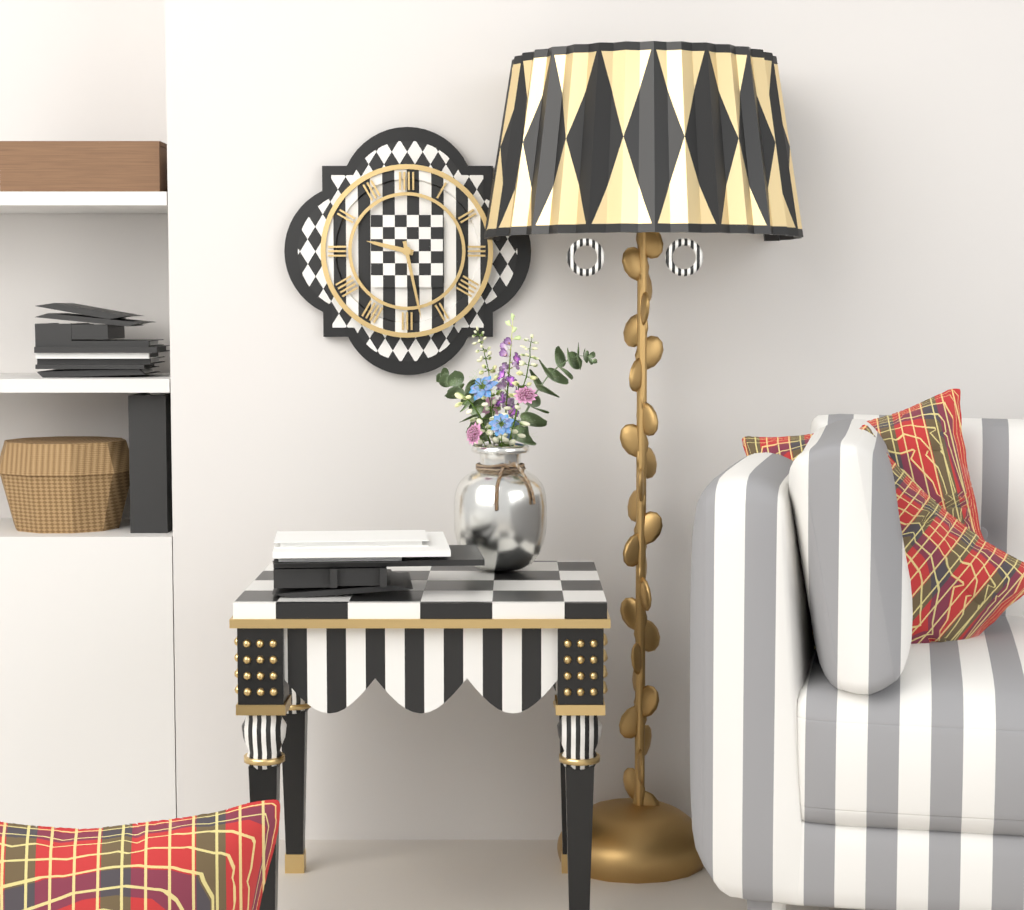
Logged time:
9,28
